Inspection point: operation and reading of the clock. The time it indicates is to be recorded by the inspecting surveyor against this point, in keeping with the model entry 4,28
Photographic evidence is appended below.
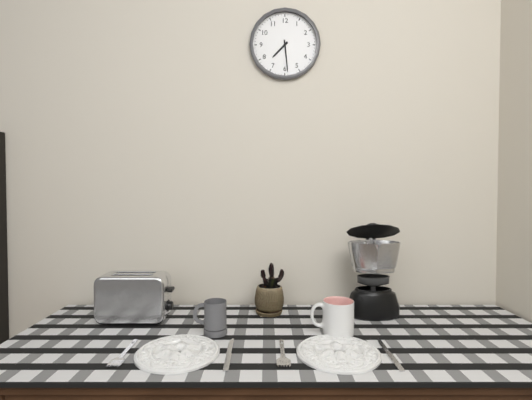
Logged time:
7,29
